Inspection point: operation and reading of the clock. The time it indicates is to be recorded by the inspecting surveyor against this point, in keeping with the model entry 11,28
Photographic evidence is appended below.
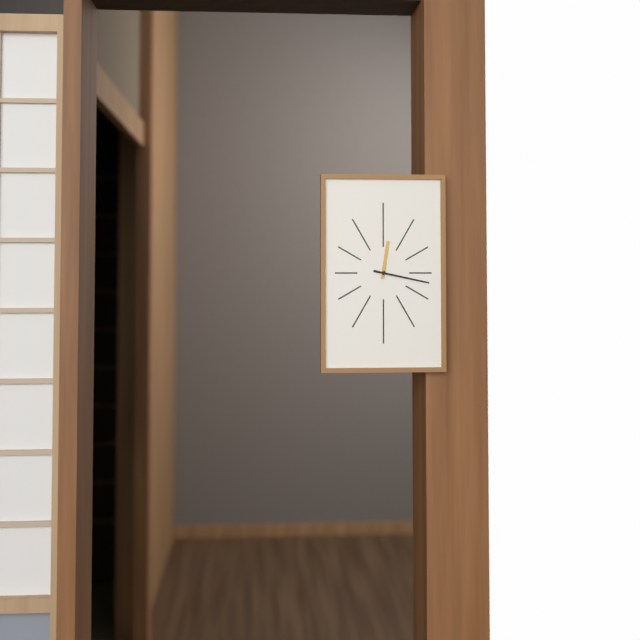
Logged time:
12,17
